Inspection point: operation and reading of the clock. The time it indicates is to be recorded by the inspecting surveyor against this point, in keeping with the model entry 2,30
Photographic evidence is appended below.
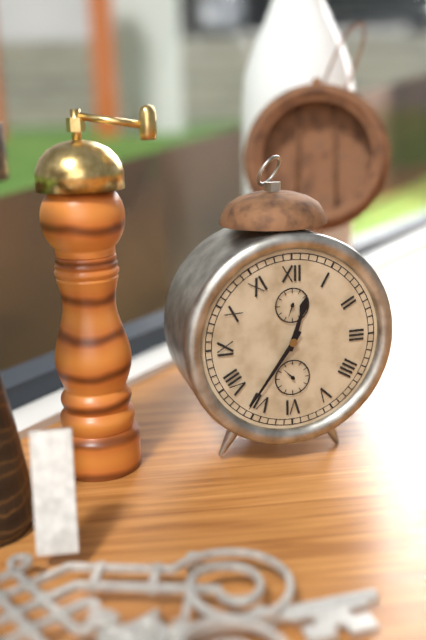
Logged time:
12,36
